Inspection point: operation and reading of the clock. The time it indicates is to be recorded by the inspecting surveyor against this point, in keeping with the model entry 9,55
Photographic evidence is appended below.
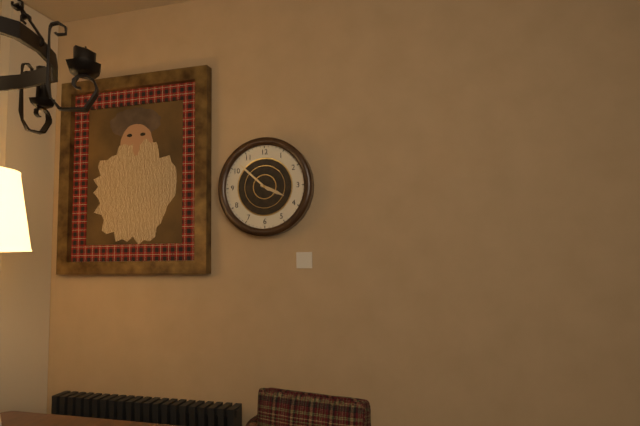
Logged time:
3,52
